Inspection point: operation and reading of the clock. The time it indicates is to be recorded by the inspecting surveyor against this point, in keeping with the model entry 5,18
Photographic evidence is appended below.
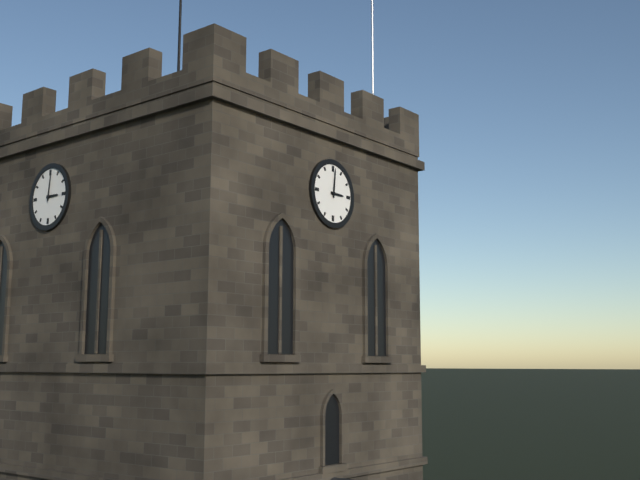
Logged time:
3,01
